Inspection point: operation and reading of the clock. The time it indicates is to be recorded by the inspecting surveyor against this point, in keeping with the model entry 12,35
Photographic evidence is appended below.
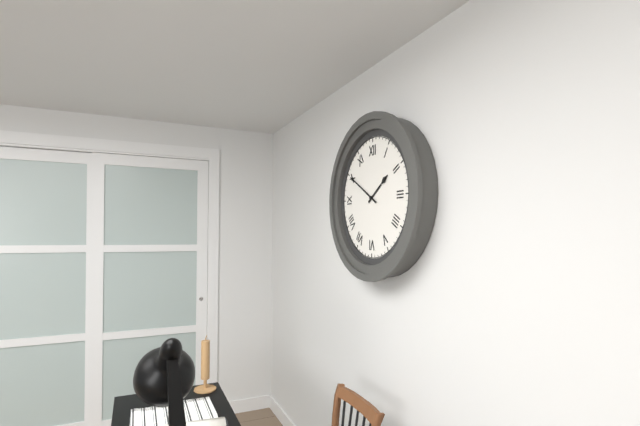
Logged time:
1,50
